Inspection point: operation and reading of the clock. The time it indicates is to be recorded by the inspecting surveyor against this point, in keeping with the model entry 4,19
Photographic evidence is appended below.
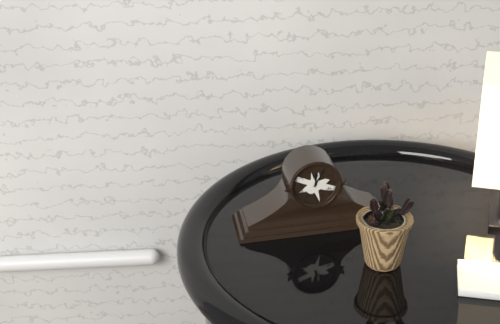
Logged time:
12,05
